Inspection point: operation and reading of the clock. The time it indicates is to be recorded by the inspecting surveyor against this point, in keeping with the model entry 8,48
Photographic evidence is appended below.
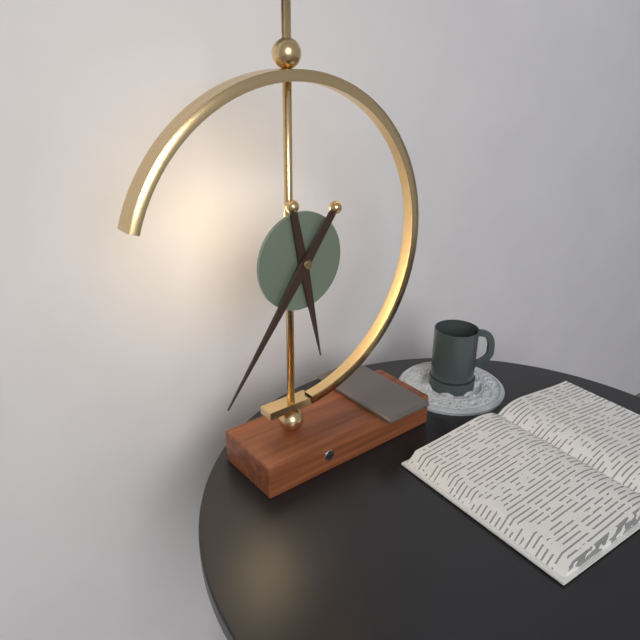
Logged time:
5,36
